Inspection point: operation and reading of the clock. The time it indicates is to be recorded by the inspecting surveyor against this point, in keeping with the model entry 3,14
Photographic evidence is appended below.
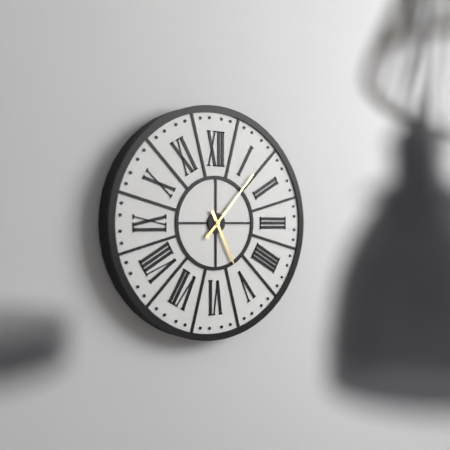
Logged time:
5,07
